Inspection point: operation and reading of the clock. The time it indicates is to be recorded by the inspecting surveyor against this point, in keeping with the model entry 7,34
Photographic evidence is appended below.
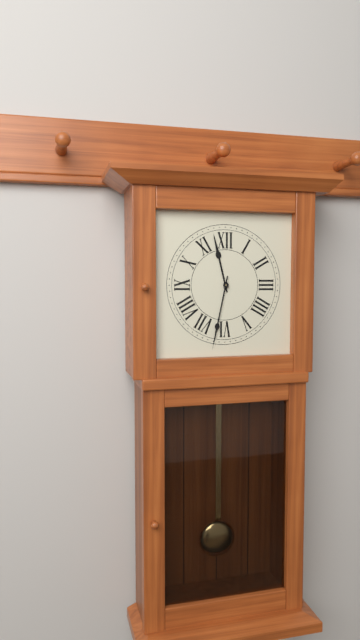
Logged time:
11,32
